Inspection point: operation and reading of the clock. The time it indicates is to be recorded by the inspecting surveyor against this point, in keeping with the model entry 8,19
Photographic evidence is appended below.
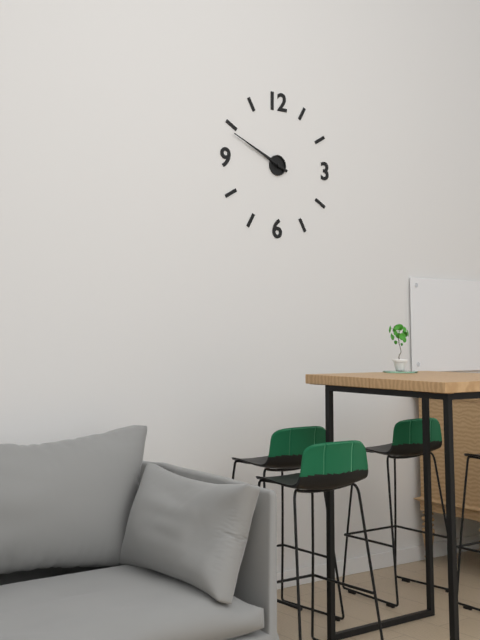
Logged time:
9,49
